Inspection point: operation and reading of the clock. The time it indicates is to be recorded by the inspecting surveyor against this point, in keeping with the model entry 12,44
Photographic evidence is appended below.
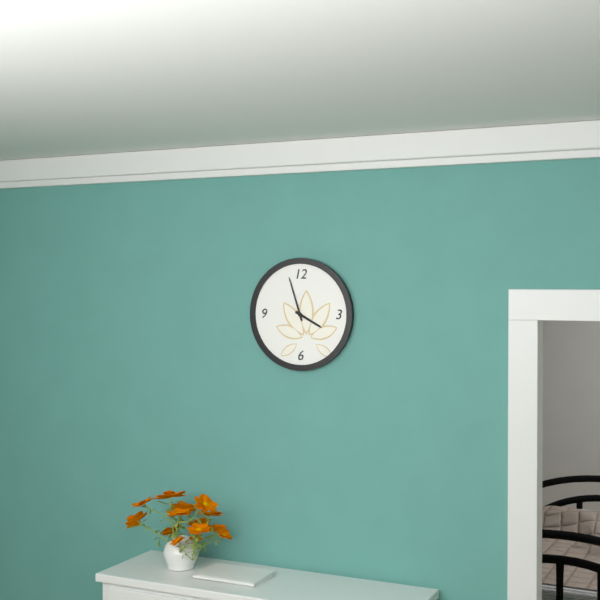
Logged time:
3,57
